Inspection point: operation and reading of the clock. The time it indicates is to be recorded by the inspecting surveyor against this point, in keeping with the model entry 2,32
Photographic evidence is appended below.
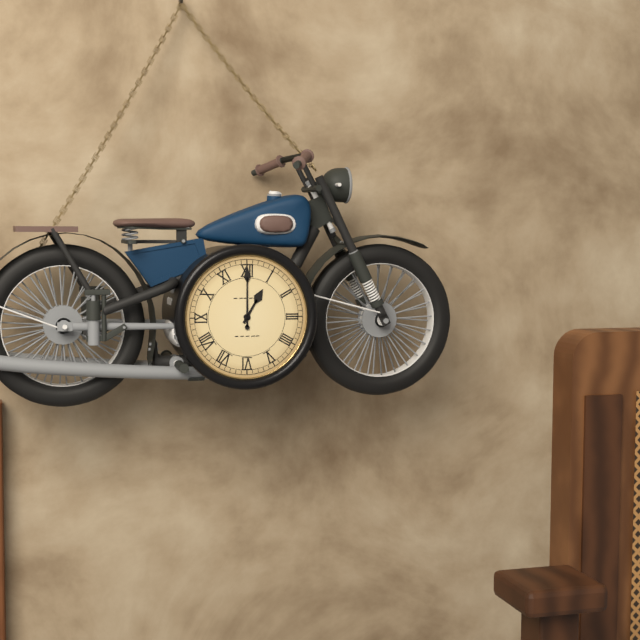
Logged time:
1,00
